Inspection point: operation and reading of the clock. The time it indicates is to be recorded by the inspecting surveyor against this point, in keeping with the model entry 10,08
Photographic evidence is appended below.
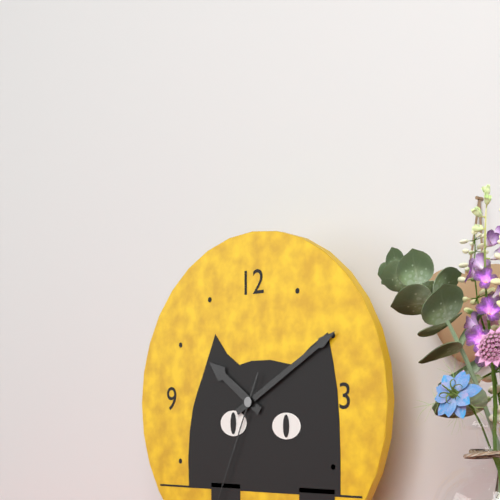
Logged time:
10,10
